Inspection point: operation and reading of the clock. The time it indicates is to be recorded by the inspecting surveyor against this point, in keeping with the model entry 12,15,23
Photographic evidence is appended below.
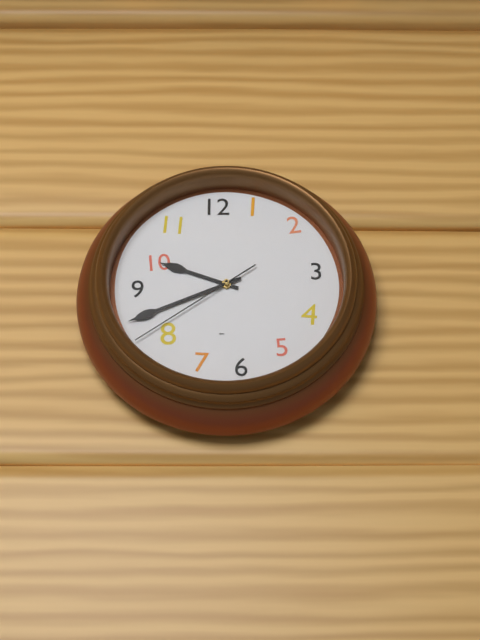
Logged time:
9,41,39
